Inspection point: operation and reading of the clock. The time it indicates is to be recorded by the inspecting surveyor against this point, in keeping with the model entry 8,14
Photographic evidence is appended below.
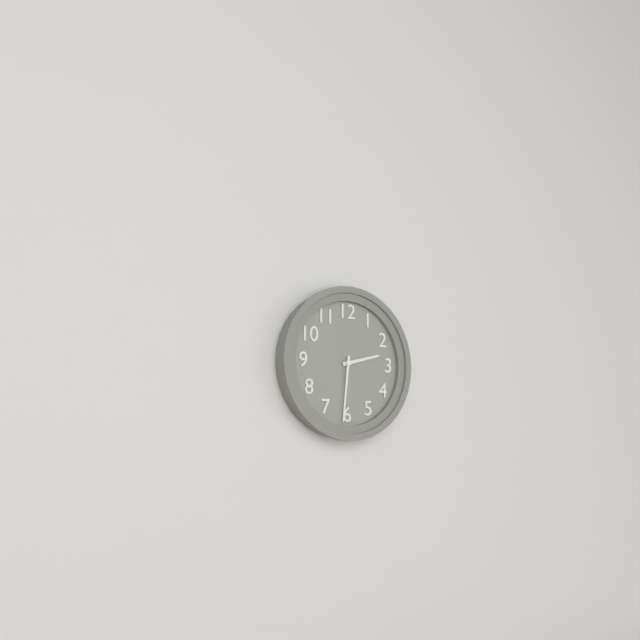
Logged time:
2,31
